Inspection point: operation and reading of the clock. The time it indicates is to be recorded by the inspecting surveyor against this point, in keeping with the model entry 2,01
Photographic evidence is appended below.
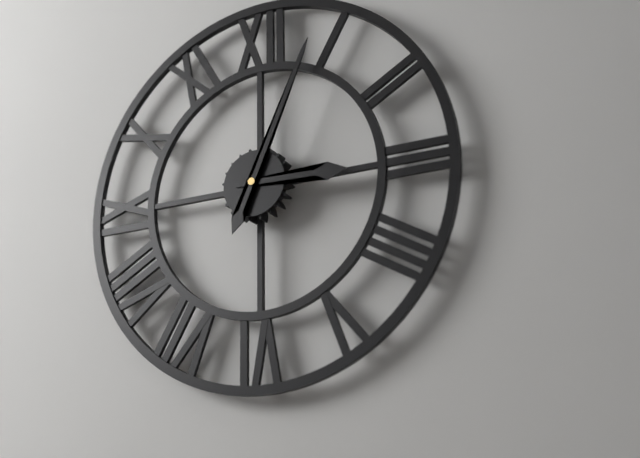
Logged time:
3,04
